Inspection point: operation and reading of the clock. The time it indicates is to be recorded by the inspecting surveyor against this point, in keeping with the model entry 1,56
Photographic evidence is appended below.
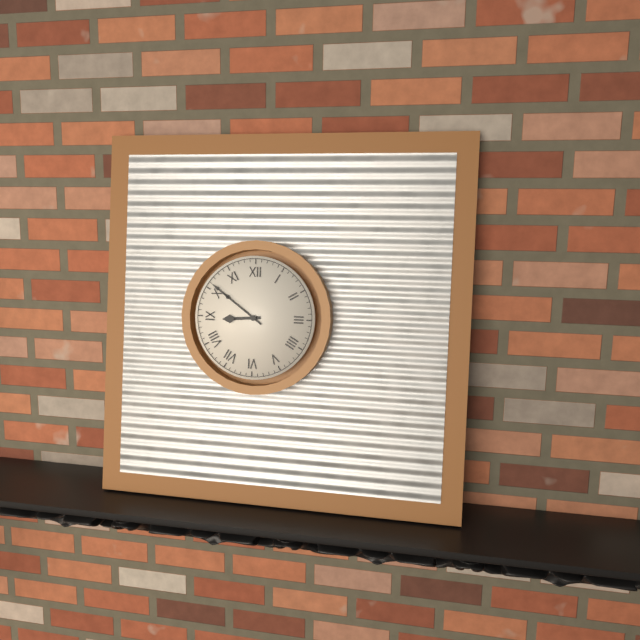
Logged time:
8,51
